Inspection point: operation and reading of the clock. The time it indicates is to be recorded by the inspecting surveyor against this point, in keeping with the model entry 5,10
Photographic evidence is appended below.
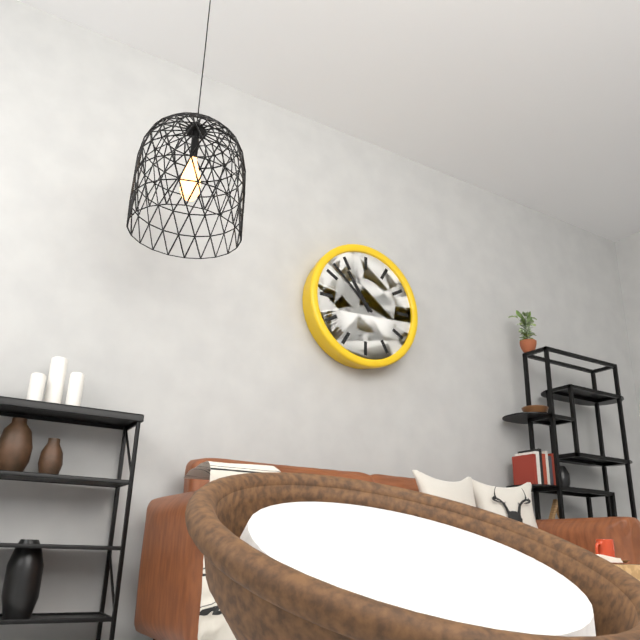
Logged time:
10,52
